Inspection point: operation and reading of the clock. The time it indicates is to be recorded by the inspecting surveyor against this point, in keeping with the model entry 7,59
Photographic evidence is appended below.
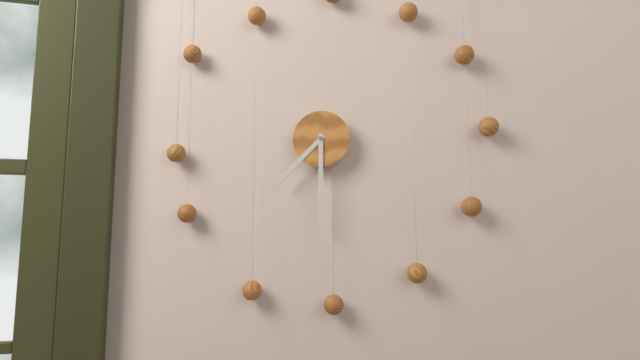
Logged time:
7,30
